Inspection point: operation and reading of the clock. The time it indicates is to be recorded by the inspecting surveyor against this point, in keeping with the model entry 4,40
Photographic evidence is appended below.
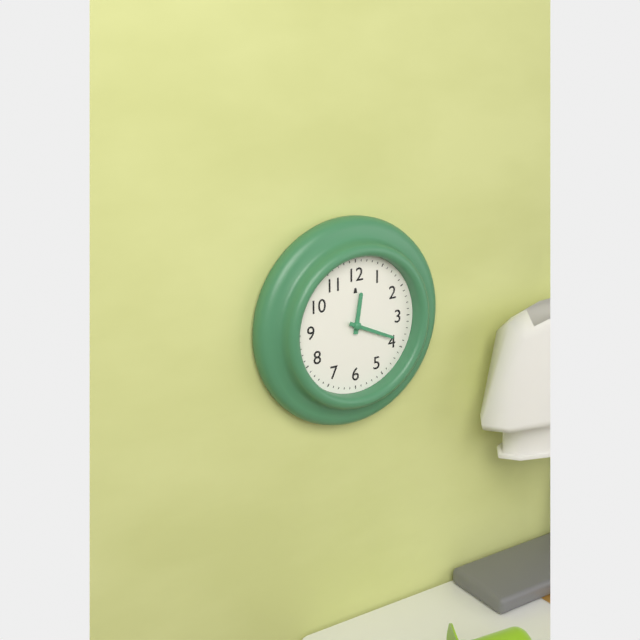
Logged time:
12,19
